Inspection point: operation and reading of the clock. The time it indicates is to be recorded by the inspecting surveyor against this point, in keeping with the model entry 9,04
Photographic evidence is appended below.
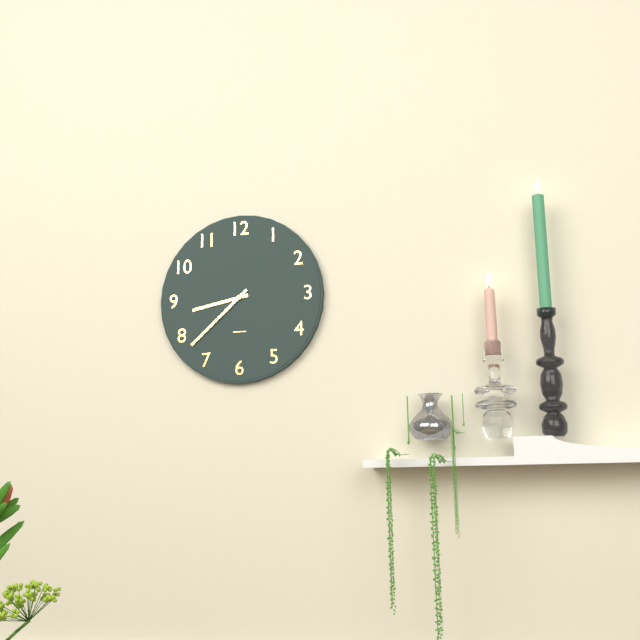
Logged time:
8,38
